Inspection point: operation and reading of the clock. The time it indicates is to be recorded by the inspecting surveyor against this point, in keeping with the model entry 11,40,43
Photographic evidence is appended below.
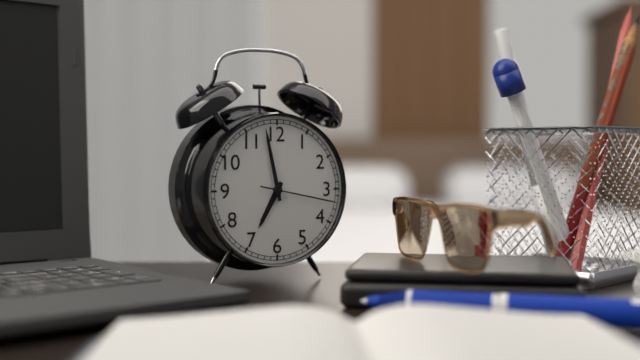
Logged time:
6,58,17
